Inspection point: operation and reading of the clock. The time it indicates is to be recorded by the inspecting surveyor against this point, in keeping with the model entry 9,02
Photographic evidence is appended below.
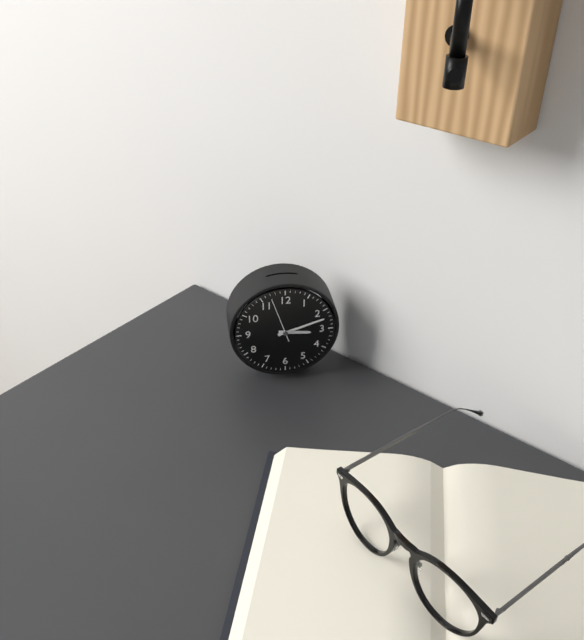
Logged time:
3,12
